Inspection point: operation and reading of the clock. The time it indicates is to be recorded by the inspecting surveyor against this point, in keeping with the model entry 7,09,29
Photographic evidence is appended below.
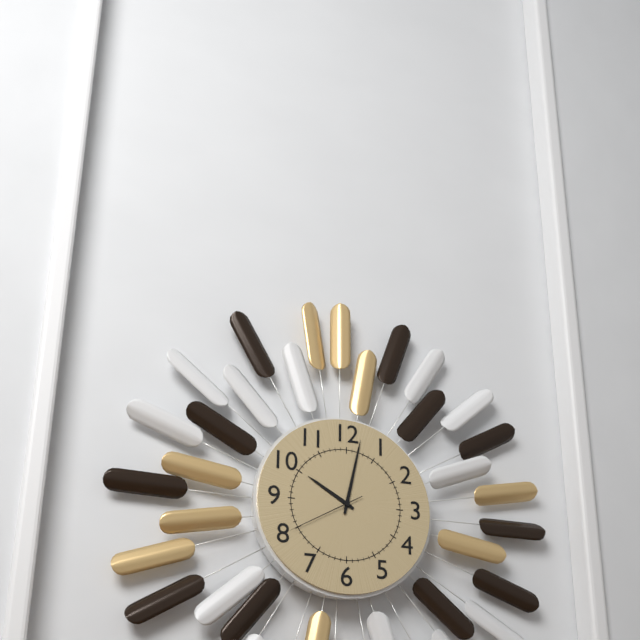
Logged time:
10,02,40
